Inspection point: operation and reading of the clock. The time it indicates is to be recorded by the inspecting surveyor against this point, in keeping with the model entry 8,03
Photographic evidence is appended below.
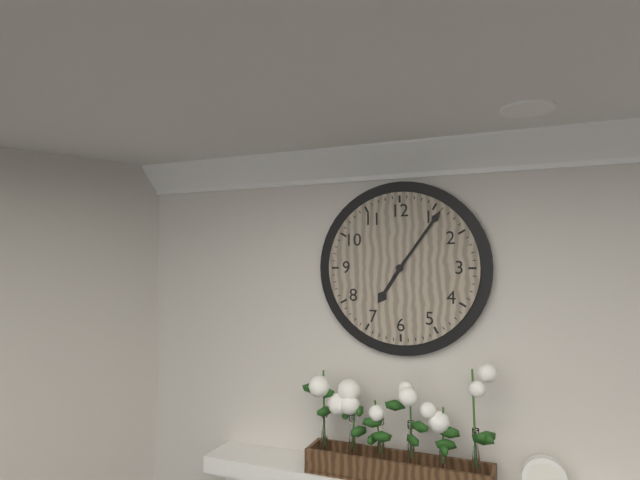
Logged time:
7,06
